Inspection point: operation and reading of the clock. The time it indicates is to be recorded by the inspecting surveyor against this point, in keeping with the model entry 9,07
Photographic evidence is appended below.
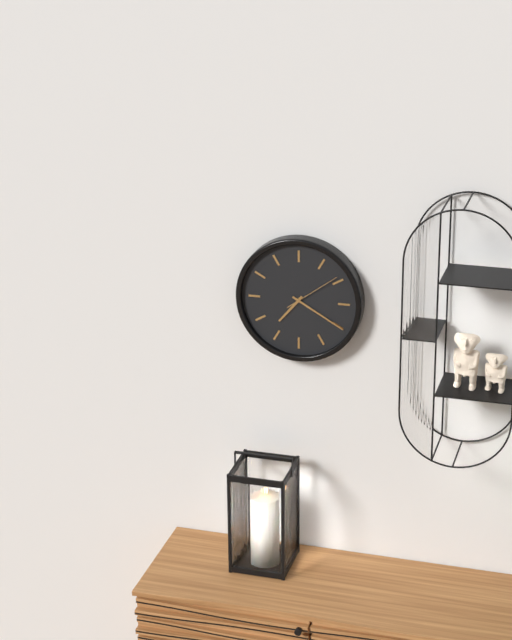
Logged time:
7,20
